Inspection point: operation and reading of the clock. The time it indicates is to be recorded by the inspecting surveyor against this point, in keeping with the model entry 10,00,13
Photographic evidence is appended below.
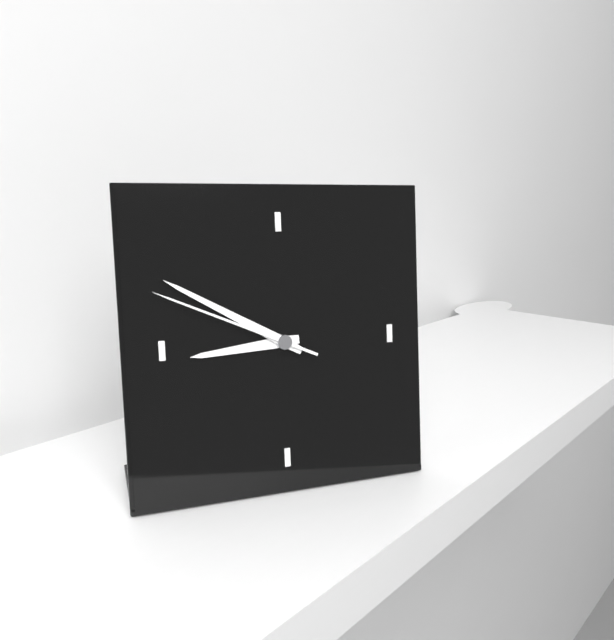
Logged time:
8,50,49
